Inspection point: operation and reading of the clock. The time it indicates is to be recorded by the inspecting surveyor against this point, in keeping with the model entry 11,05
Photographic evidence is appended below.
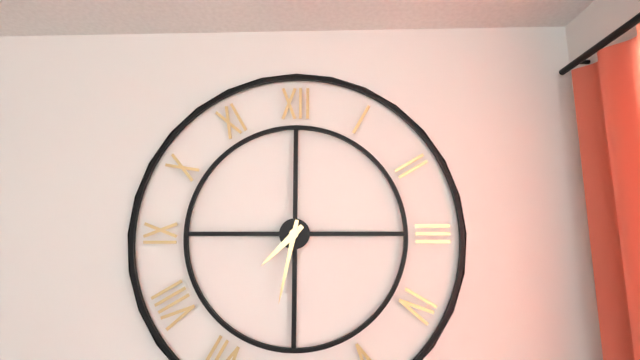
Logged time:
7,32
